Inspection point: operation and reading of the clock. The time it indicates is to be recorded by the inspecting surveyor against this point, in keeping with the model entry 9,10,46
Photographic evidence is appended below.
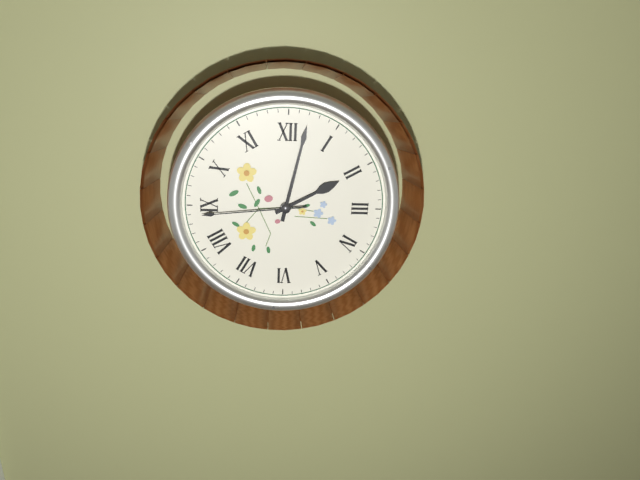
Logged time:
2,02,44
